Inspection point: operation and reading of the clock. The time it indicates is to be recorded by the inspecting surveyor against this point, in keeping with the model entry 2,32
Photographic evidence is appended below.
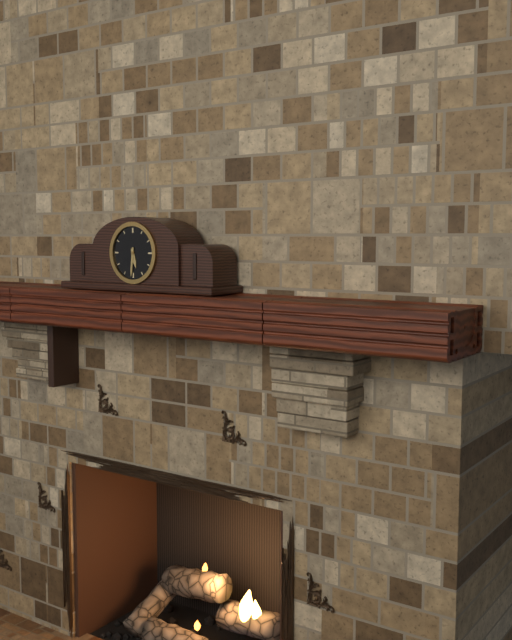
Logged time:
5,31
